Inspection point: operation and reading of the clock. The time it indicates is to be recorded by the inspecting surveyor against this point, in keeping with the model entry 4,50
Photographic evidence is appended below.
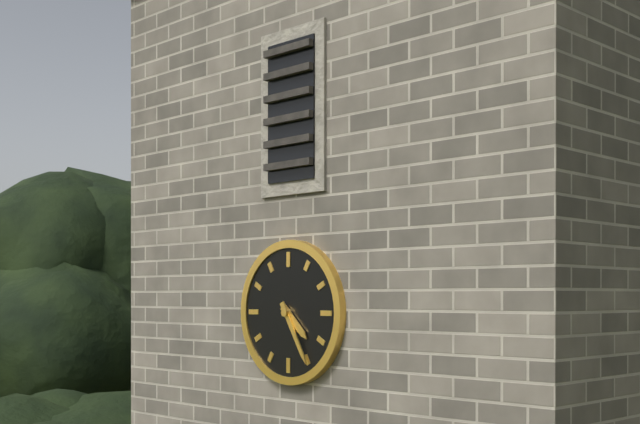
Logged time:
4,25
